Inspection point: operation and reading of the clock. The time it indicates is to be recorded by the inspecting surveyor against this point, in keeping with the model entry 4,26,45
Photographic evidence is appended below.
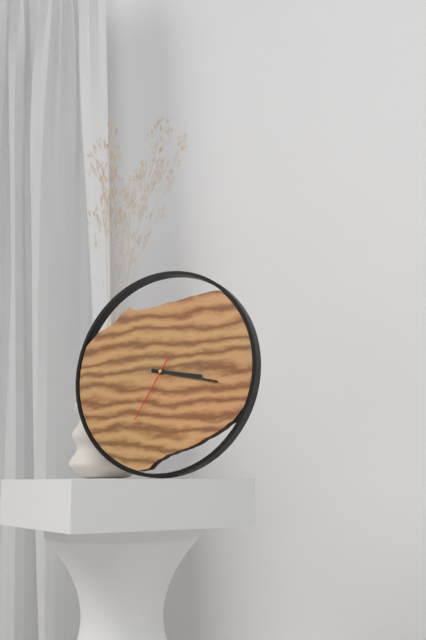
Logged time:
3,17,35
